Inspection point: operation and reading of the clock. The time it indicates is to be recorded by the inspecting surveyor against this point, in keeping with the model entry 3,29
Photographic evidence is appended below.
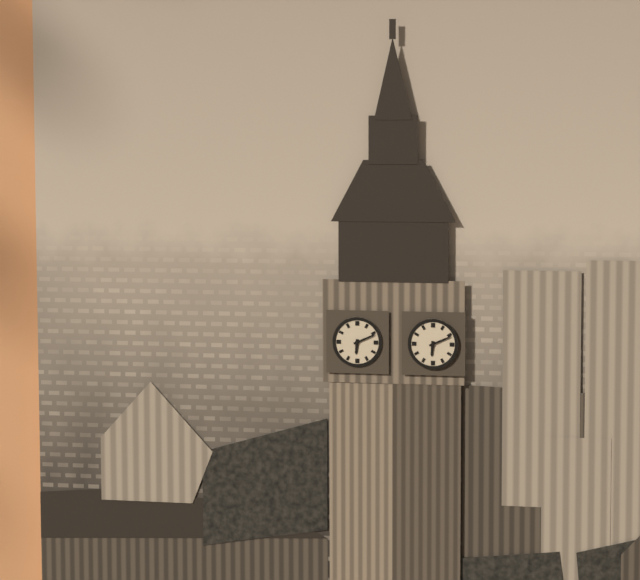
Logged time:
6,11
